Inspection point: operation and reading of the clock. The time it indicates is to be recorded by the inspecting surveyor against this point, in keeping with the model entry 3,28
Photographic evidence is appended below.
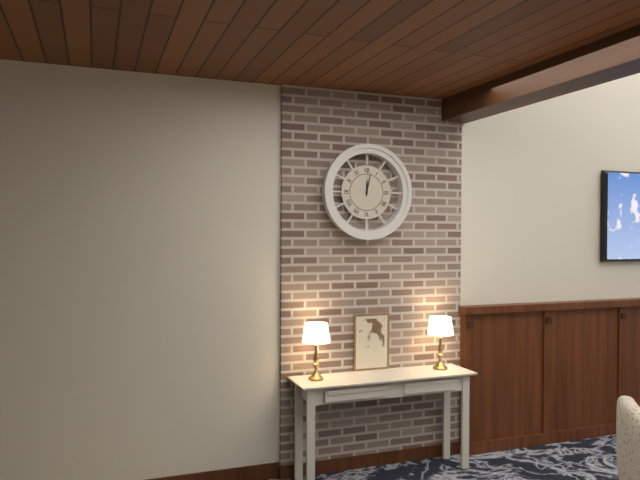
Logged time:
12,02
